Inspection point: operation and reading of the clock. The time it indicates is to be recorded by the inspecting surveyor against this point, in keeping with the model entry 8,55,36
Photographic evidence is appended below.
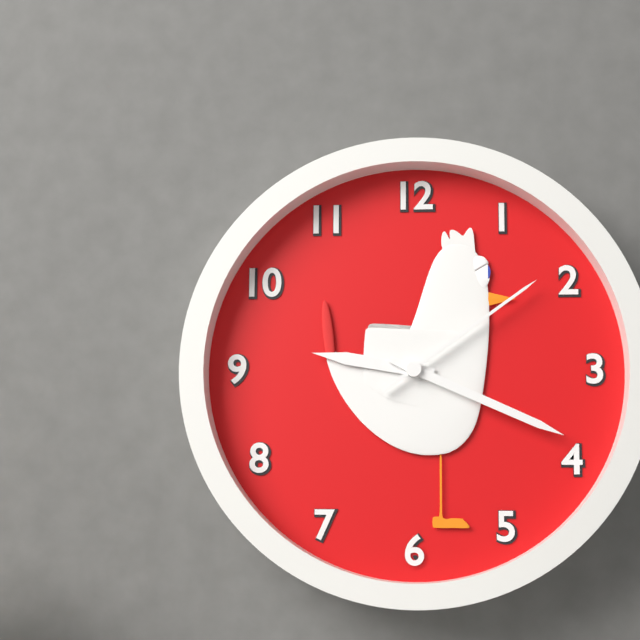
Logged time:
9,19,09
